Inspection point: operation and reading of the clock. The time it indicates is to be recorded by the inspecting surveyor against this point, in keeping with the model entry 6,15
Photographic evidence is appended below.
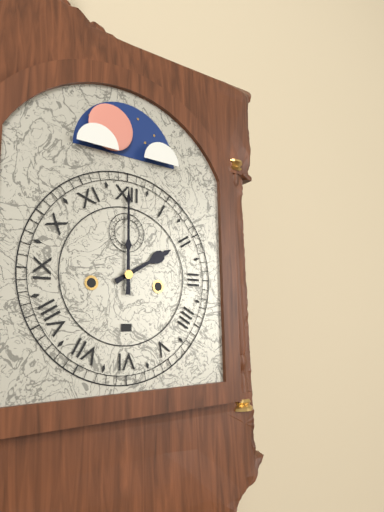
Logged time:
2,00
